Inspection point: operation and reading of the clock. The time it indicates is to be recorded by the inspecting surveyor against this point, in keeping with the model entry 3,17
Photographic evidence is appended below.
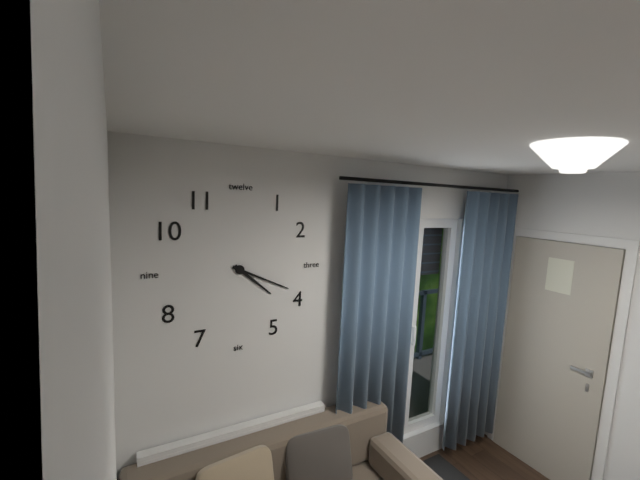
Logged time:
4,19
